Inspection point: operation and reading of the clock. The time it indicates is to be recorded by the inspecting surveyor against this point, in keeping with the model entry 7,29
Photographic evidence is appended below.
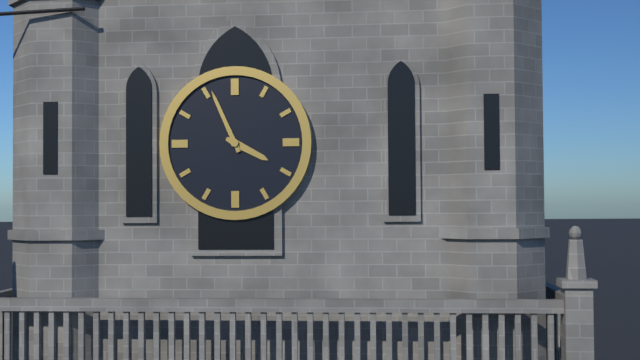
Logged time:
3,56
